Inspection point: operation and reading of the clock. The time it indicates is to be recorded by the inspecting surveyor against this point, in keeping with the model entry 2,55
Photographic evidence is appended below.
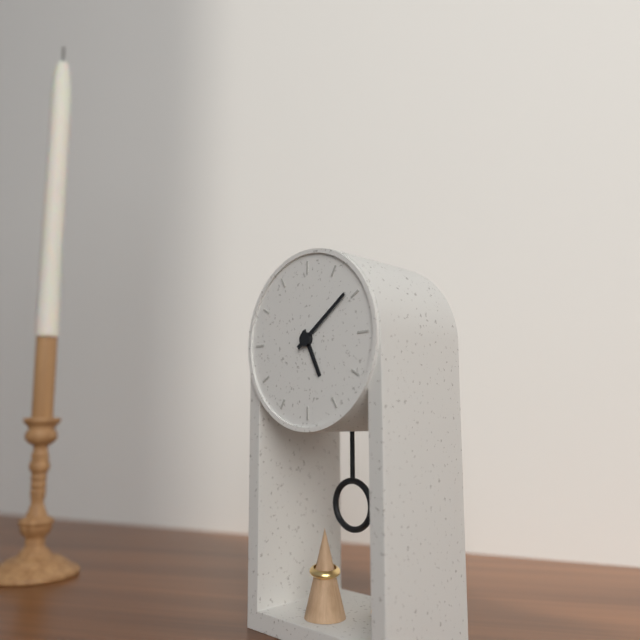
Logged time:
5,09
